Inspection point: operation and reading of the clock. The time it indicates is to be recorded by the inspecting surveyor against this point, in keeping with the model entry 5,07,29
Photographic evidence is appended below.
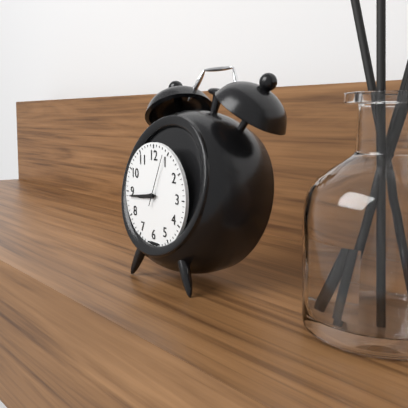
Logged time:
8,44,04
